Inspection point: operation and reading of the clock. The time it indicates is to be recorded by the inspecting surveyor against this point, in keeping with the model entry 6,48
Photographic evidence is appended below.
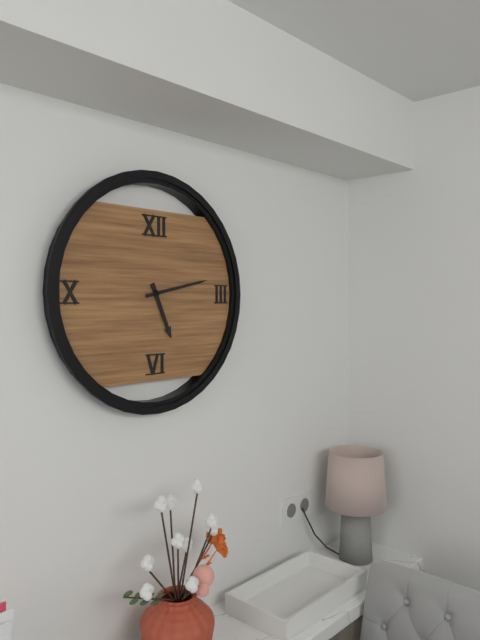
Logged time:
5,13
